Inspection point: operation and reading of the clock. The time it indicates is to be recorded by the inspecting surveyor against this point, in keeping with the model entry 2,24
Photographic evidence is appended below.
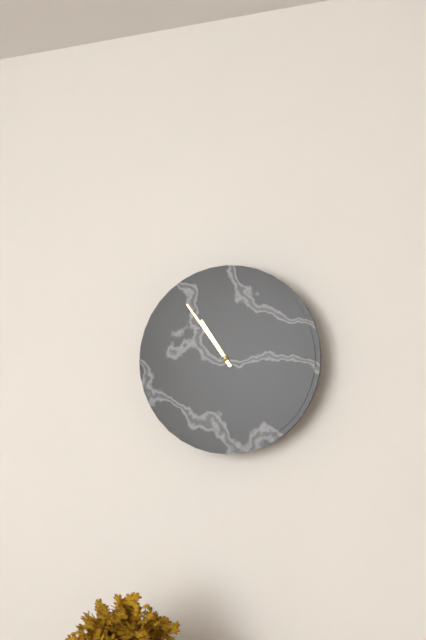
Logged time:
10,54
